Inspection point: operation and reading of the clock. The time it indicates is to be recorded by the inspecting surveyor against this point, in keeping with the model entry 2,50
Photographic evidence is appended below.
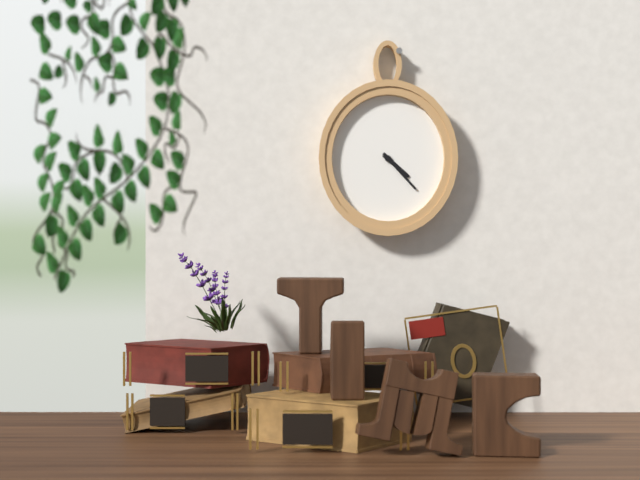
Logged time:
4,23
